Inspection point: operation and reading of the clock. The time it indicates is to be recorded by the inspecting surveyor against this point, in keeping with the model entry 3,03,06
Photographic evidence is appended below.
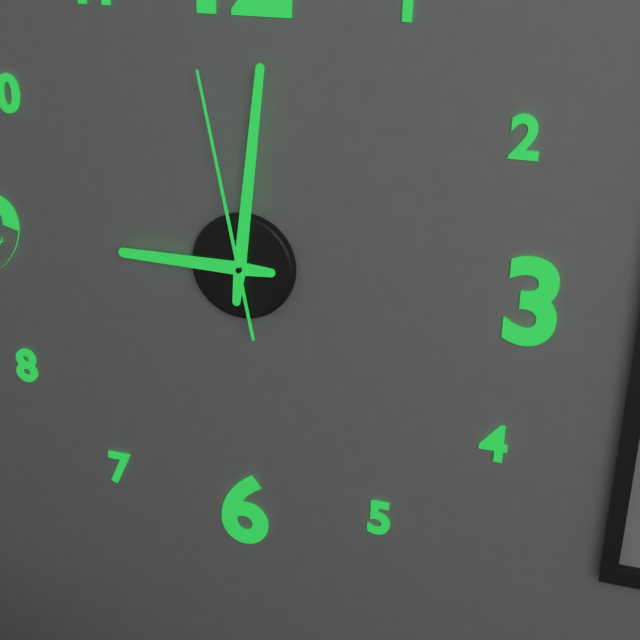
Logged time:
9,01,58
